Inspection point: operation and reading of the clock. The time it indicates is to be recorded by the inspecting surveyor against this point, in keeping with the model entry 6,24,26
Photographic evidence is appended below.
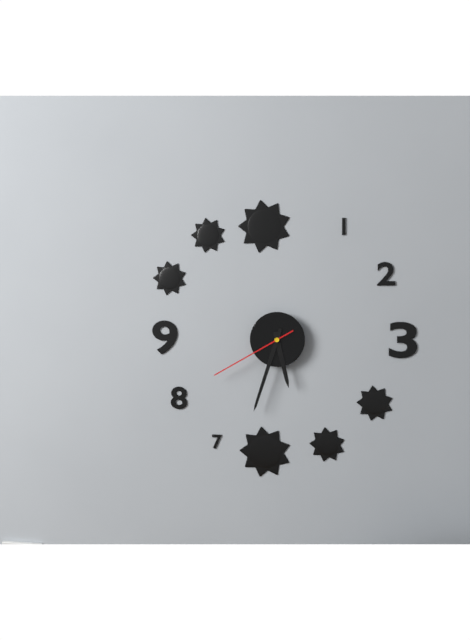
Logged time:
5,33,40
